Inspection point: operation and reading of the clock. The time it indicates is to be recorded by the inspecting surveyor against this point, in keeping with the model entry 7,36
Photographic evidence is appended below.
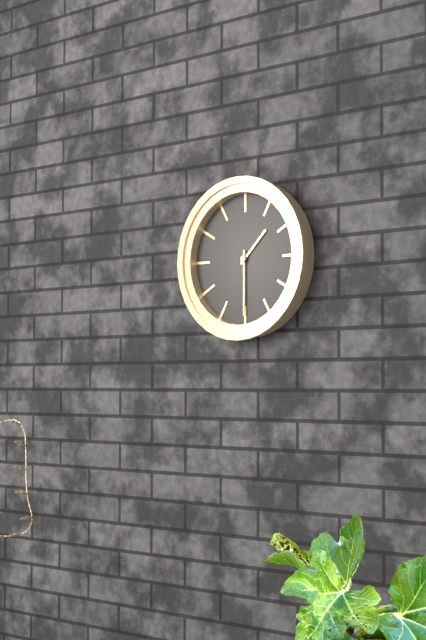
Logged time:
1,30
